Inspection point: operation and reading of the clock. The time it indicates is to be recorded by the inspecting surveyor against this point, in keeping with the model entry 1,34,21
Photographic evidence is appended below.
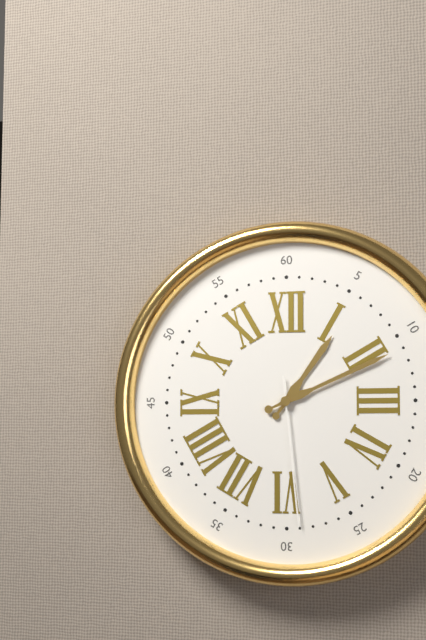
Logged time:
1,11,29
